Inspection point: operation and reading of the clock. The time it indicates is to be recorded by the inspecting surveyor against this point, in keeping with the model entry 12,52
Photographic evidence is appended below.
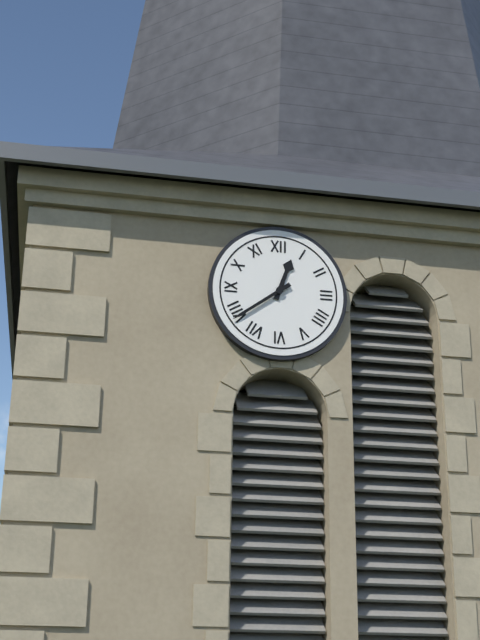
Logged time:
12,39
